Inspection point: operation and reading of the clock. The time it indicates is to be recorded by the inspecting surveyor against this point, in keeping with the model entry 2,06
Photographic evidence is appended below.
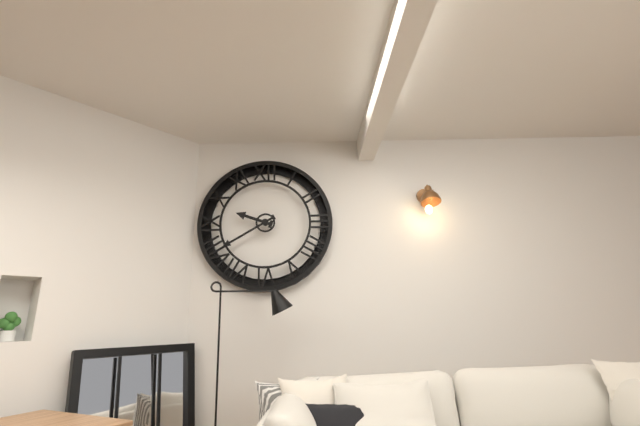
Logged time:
9,40
